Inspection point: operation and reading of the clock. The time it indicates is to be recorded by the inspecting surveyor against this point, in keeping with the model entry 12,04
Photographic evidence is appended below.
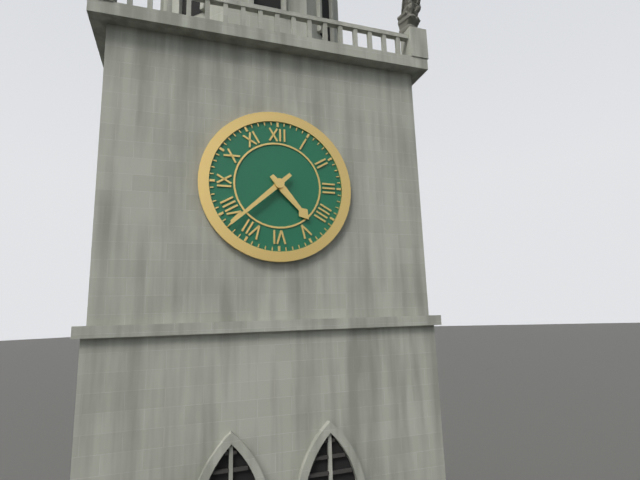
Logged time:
4,38
